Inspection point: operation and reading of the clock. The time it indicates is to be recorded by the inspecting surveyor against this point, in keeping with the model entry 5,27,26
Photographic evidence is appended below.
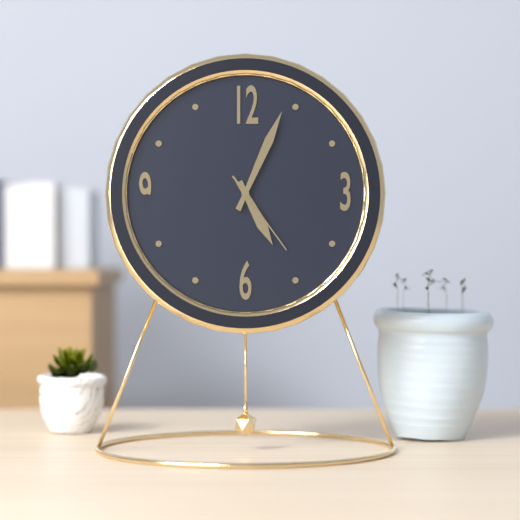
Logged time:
5,04,24
